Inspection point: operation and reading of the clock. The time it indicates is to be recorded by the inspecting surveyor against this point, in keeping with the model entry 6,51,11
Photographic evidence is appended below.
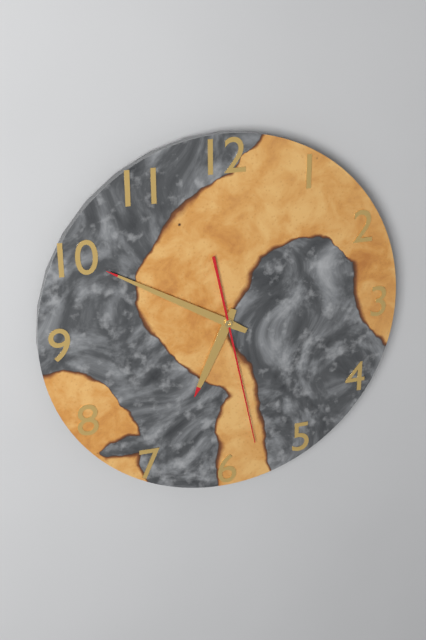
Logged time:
6,50,28
